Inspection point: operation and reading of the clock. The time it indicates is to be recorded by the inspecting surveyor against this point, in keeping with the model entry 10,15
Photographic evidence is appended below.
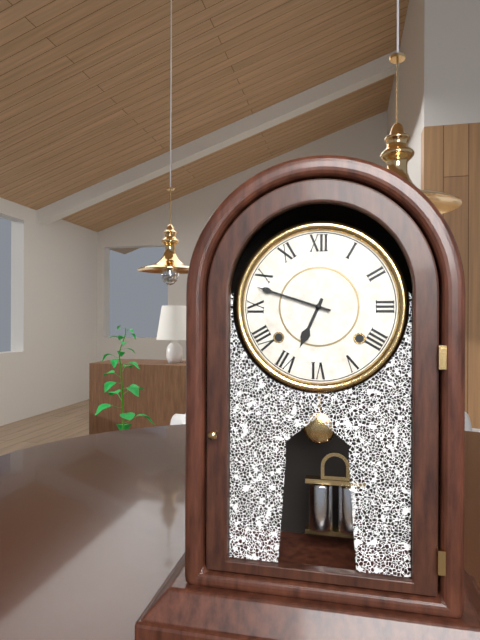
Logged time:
6,48
